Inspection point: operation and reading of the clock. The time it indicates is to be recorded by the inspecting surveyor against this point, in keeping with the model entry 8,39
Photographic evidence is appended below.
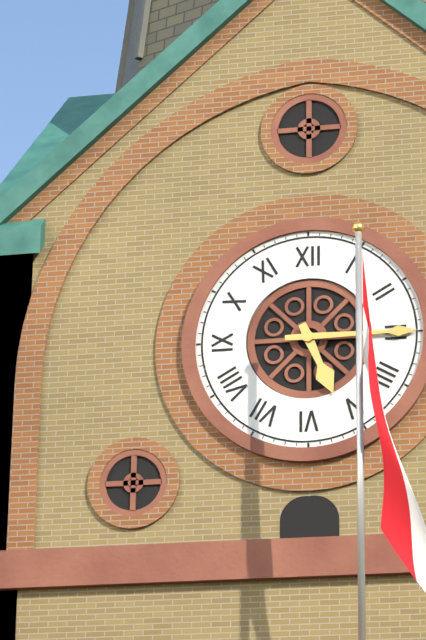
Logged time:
5,15
